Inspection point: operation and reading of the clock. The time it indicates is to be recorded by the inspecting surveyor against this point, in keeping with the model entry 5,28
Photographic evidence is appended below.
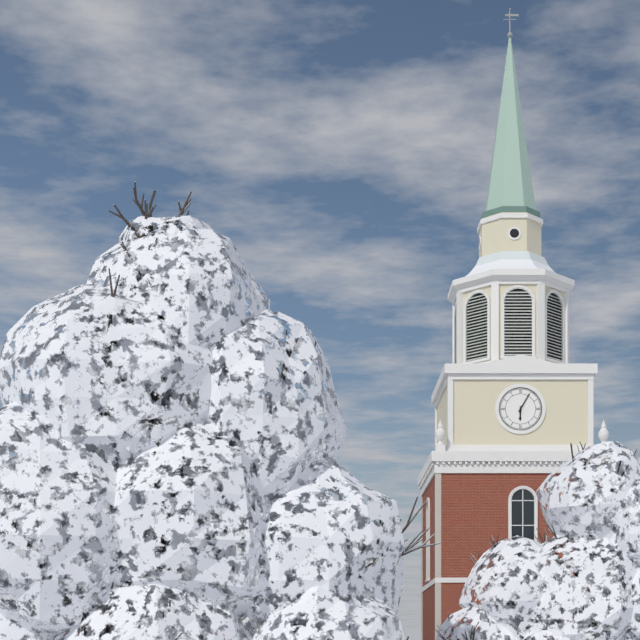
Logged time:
6,05
